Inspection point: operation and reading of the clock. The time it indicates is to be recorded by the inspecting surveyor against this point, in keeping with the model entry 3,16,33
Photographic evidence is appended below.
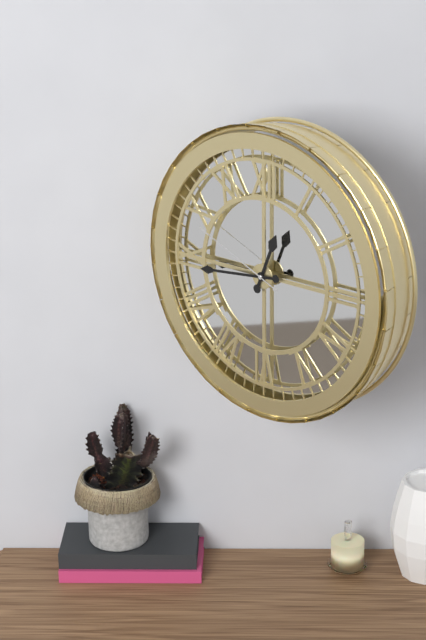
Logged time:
12,44,49
